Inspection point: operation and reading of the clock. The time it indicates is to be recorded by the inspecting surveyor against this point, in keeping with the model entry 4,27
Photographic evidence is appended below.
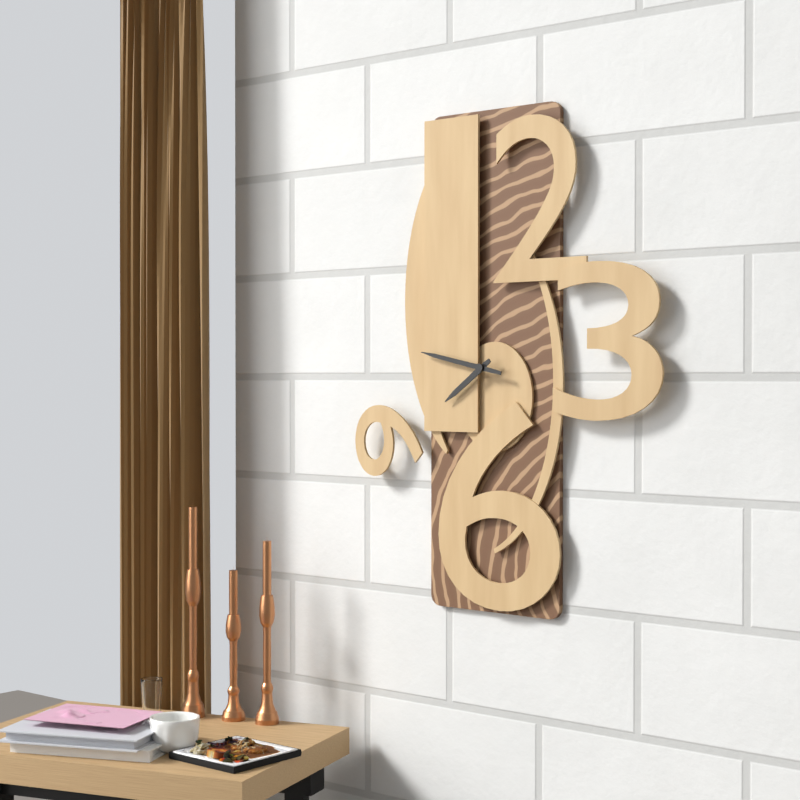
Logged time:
7,47
